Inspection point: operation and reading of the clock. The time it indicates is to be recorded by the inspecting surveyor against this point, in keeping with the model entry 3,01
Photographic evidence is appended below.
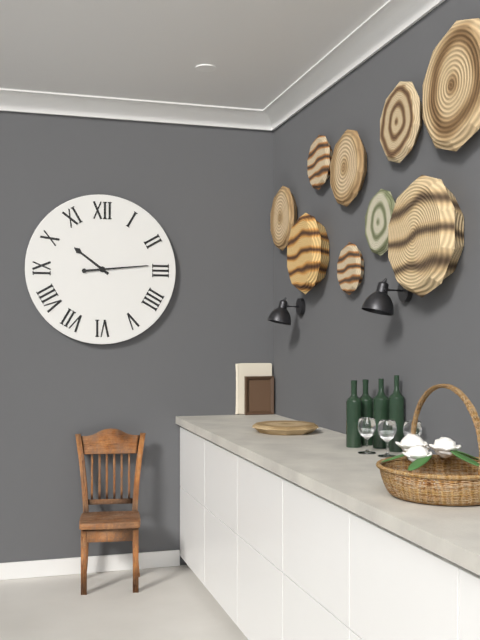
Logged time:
10,14
